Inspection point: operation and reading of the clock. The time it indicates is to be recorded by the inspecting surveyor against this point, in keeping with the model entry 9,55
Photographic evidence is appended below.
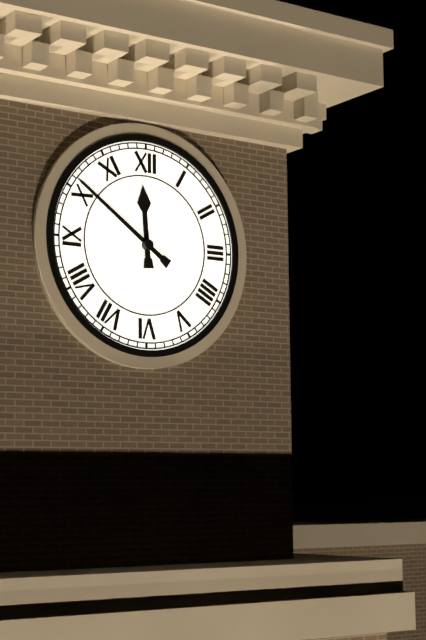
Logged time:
11,51
